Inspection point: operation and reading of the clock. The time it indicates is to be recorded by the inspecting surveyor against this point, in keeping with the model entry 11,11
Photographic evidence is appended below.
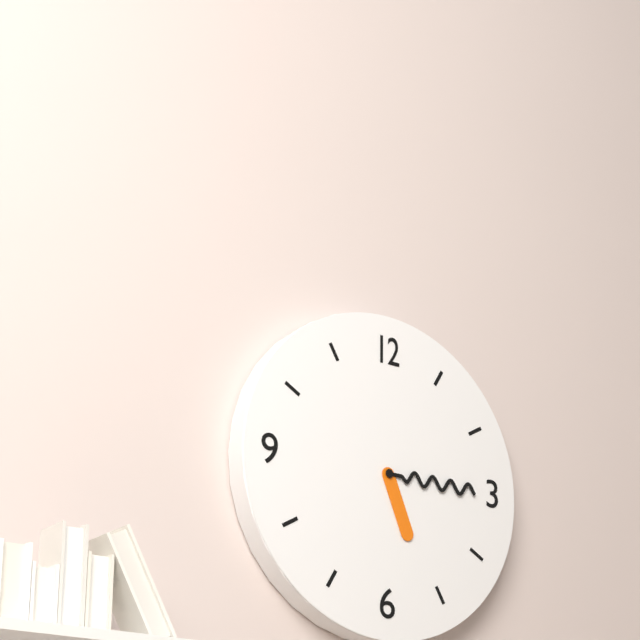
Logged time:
5,15
